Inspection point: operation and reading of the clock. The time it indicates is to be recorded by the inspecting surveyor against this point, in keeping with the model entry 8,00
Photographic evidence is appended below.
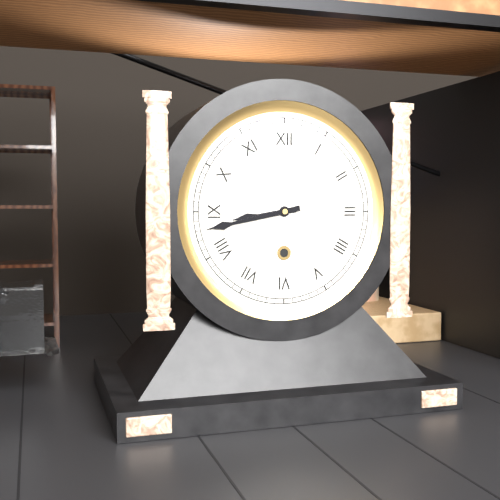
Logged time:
8,43
